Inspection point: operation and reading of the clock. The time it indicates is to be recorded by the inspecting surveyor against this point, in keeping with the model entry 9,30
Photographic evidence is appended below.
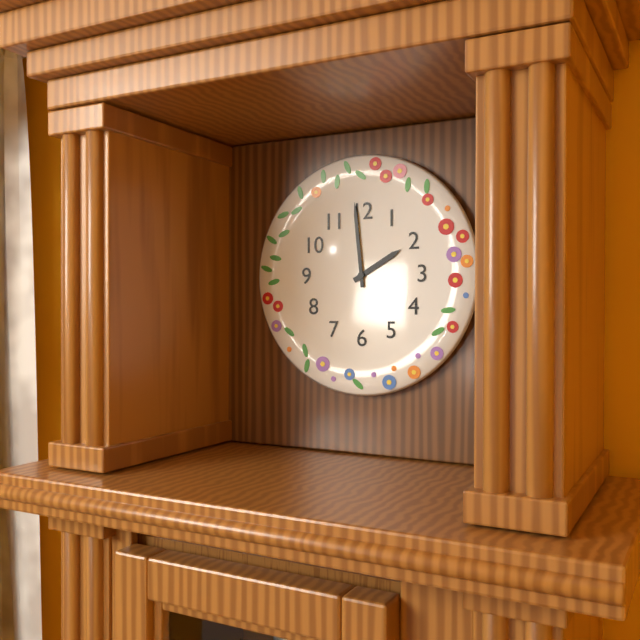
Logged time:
1,59
